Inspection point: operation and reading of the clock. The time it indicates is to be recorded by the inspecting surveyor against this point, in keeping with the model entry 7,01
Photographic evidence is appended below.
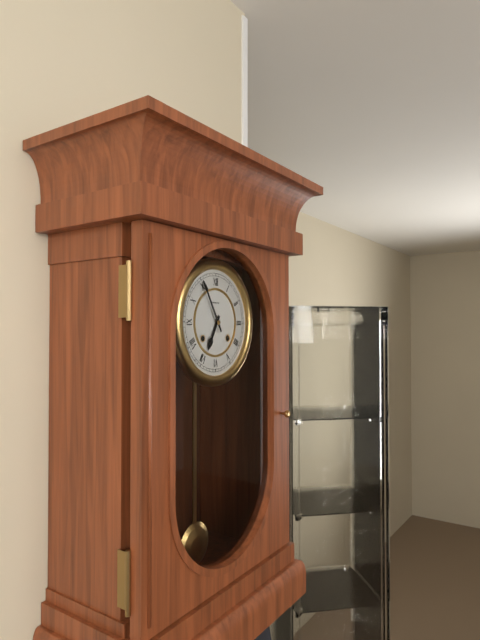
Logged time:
6,55
